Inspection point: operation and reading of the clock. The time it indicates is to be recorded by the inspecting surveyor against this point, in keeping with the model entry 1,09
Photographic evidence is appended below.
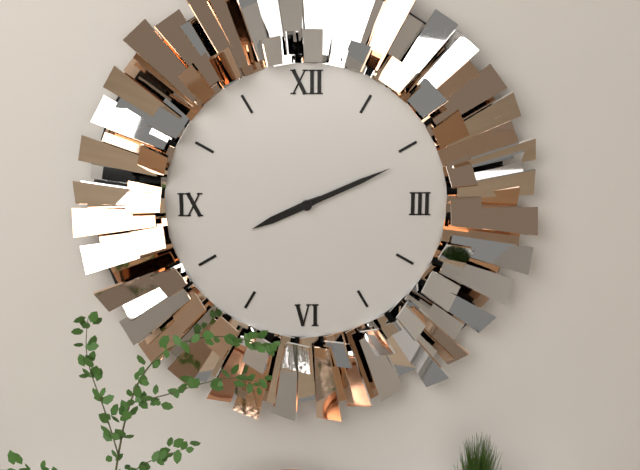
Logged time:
8,11
